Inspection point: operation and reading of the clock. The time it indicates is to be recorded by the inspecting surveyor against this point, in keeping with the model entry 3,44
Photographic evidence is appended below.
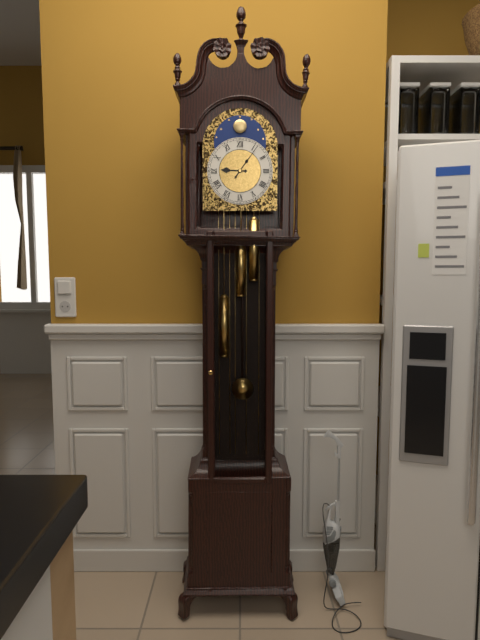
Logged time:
9,06
